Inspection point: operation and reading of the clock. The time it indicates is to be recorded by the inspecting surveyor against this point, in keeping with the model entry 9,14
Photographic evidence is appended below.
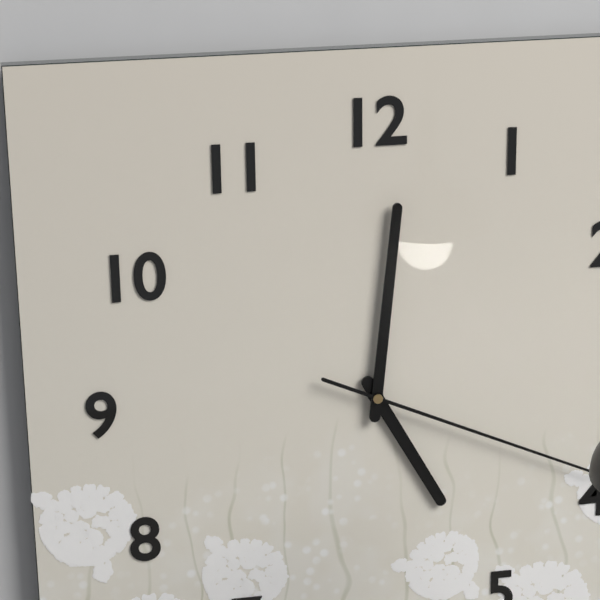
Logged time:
5,01
